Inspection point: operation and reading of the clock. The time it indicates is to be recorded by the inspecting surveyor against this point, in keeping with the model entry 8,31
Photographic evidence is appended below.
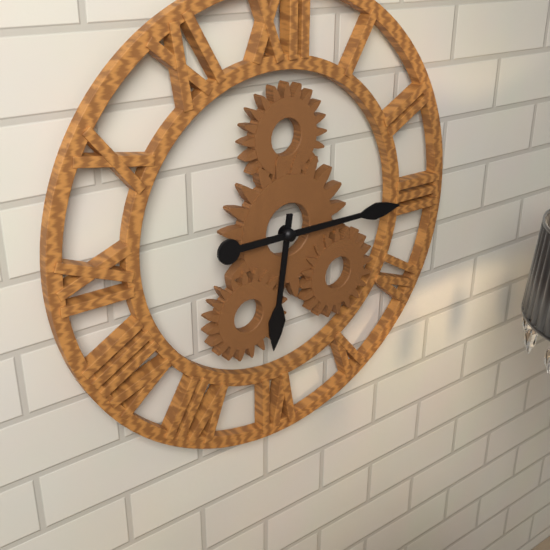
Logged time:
6,15
